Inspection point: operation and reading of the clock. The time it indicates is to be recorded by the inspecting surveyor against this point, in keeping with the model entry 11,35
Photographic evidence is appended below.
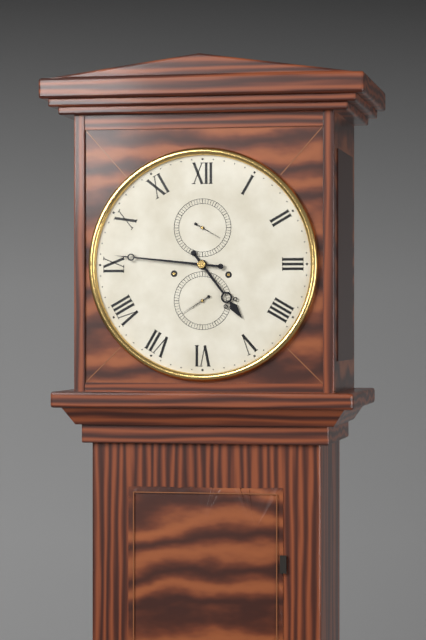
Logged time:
4,46
